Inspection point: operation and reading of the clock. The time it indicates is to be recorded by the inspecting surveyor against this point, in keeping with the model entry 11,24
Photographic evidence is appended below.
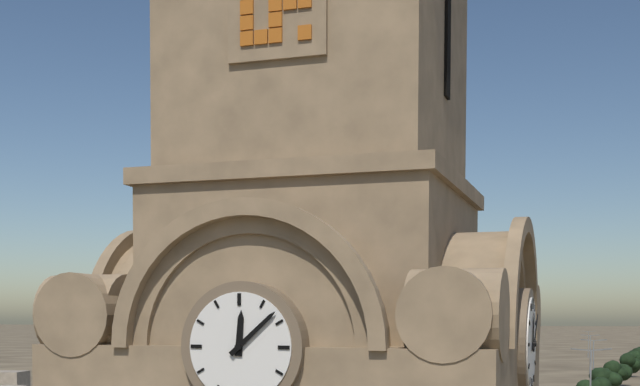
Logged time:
12,08
